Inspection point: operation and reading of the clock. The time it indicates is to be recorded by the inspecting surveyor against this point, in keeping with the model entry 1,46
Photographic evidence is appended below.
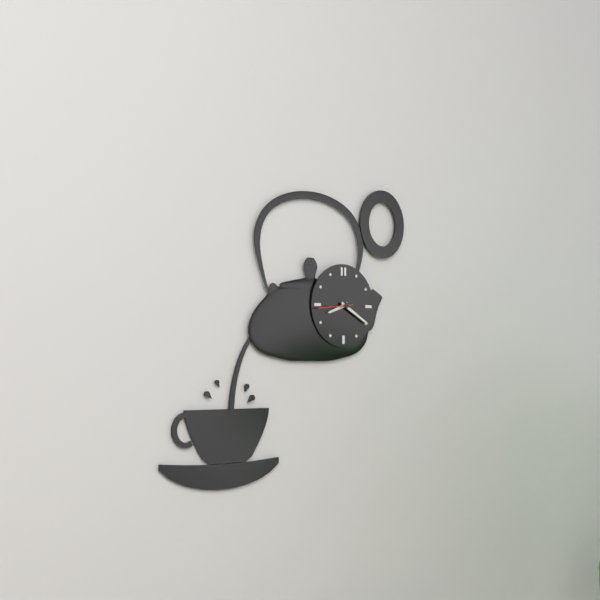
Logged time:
8,20
